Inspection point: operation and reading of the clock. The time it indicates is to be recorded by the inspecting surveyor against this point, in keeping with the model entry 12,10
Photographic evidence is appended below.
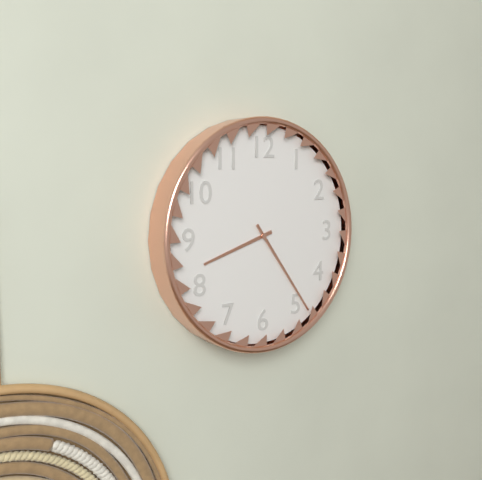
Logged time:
8,24
